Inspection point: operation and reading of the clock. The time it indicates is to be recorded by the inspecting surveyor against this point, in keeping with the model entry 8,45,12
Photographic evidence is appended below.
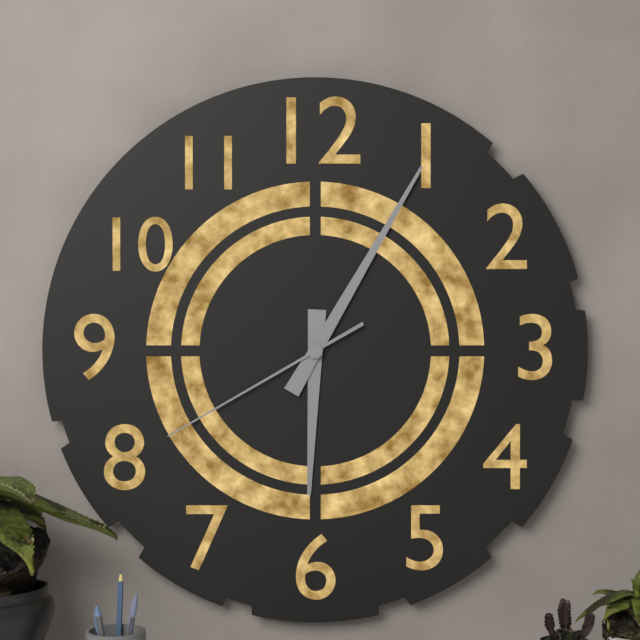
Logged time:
6,05,40
